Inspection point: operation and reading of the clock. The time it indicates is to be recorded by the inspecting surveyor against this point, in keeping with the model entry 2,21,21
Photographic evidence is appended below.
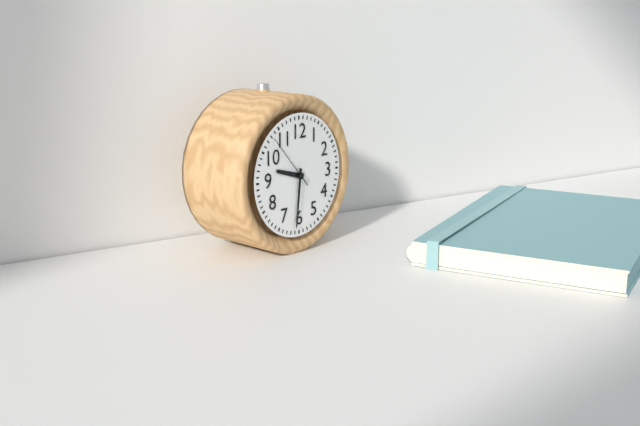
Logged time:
9,31,53
